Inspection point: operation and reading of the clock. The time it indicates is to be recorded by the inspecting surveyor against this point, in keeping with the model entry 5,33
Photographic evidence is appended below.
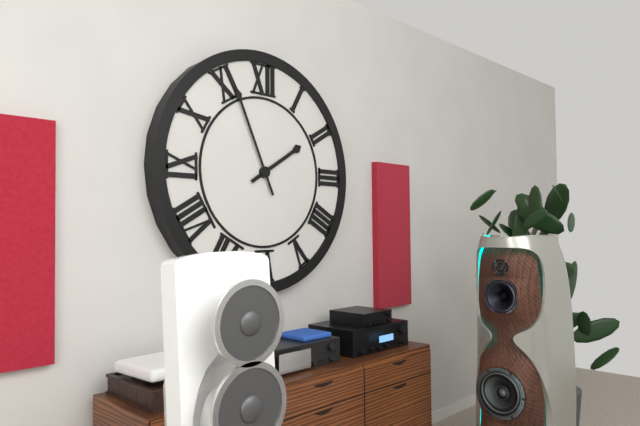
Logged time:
1,56
